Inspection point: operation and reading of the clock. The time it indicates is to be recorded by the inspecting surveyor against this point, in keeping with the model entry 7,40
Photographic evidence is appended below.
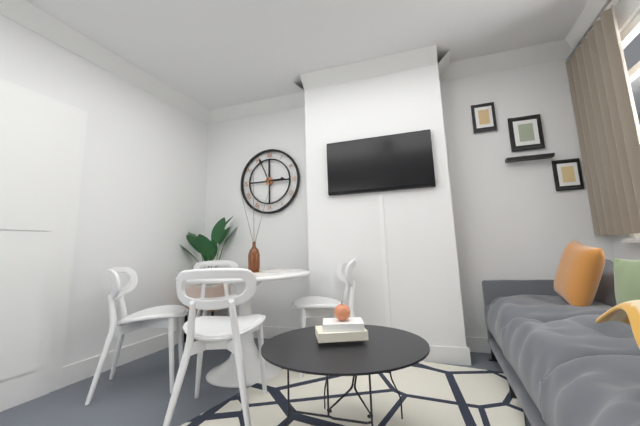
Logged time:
2,56
